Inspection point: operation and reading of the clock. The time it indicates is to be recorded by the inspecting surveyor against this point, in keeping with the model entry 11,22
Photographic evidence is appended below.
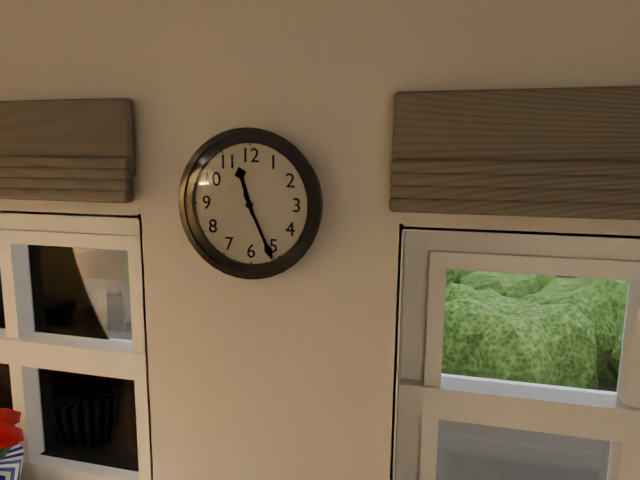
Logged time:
11,26
